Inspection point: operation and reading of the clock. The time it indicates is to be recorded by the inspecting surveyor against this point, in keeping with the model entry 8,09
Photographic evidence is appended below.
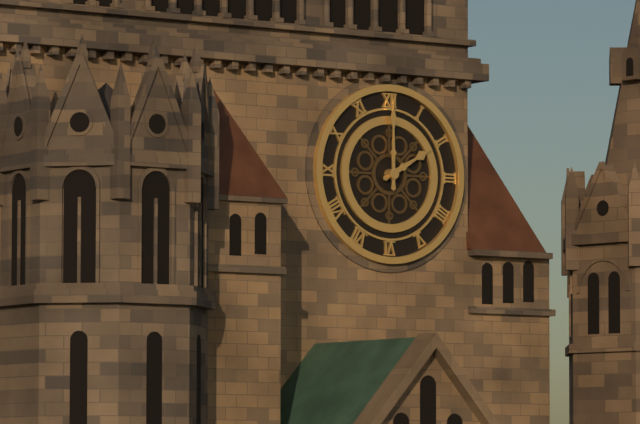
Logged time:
2,00
